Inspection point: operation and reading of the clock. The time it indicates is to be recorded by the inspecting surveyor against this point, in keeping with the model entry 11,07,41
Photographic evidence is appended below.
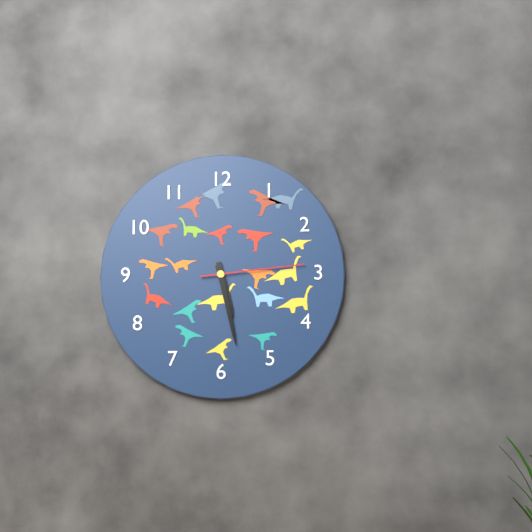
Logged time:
5,28,14
